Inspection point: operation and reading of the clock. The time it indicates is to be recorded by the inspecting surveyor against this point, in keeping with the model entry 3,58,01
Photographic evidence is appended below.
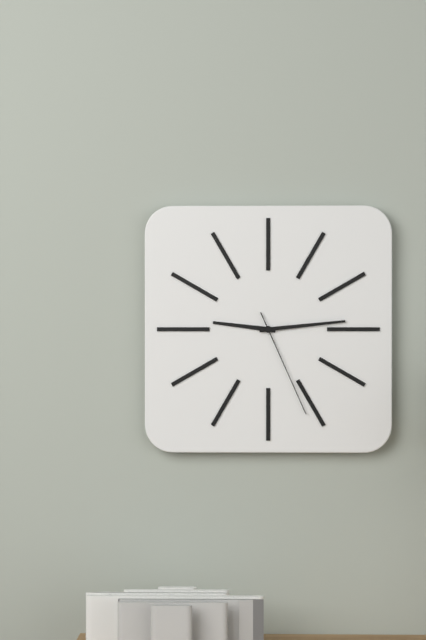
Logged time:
9,14,26
